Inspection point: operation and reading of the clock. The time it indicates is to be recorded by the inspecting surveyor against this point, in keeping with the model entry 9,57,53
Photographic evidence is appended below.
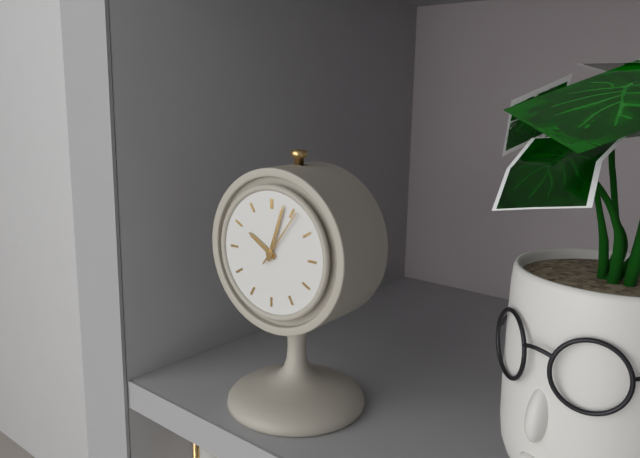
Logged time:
10,03,06
